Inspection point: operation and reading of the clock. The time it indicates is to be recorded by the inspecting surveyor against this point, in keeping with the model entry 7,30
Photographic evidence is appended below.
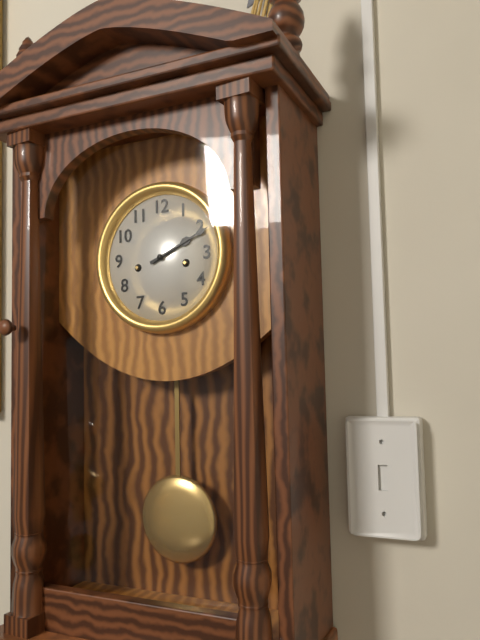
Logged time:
2,11
